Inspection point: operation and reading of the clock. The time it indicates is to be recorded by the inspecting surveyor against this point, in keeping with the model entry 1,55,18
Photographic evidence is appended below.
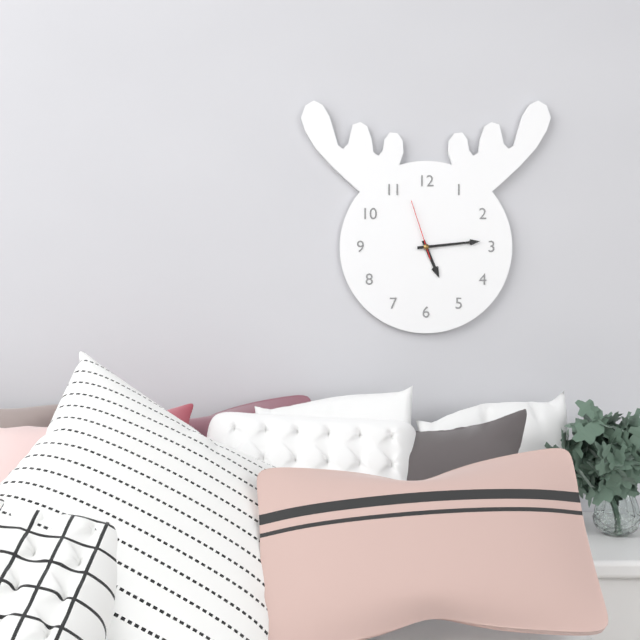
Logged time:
5,14,57
